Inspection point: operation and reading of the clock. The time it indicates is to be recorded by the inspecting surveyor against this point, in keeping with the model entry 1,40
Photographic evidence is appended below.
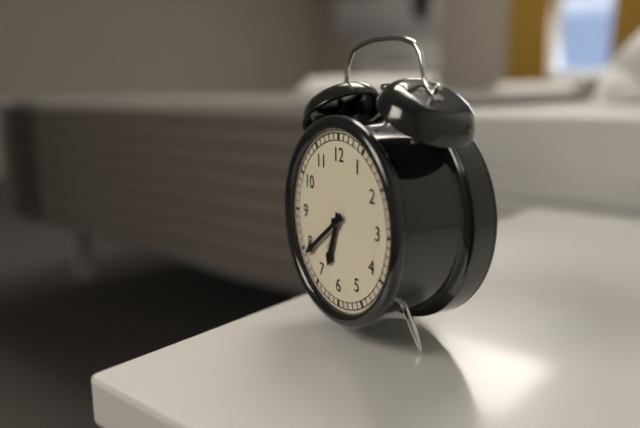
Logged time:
6,39
